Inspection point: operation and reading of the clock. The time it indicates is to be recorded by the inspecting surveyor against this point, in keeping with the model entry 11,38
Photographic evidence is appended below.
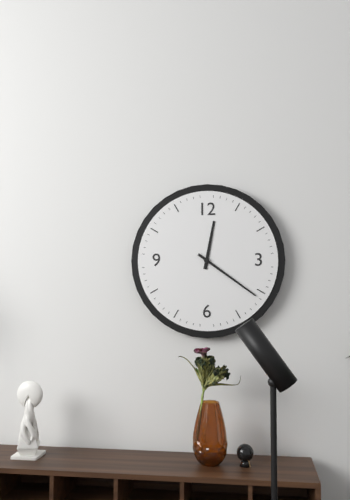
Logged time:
12,21
